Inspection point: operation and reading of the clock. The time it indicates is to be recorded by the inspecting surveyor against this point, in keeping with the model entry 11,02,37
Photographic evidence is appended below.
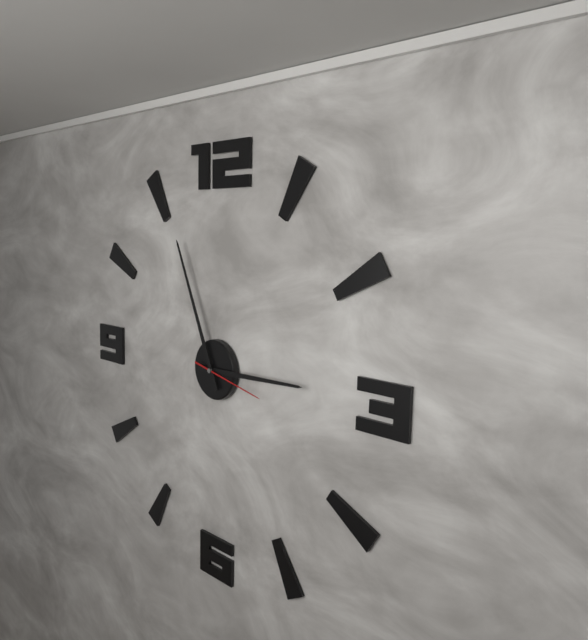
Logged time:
2,56,17
